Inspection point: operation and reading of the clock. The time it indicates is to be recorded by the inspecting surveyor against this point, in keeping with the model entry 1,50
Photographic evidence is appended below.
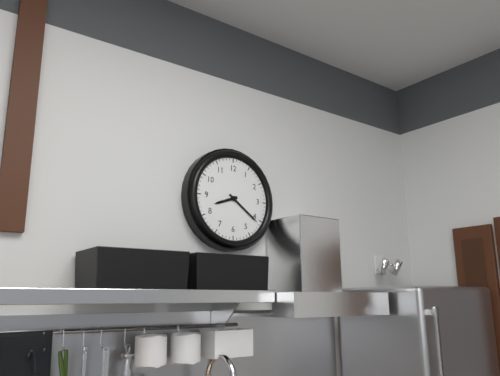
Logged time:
8,21
